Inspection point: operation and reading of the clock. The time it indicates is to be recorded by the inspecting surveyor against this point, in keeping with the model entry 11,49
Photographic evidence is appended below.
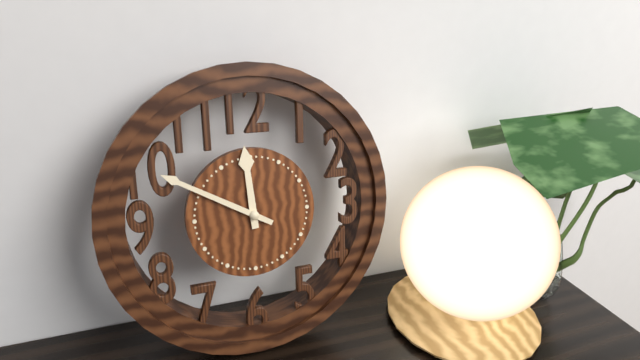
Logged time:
11,50
